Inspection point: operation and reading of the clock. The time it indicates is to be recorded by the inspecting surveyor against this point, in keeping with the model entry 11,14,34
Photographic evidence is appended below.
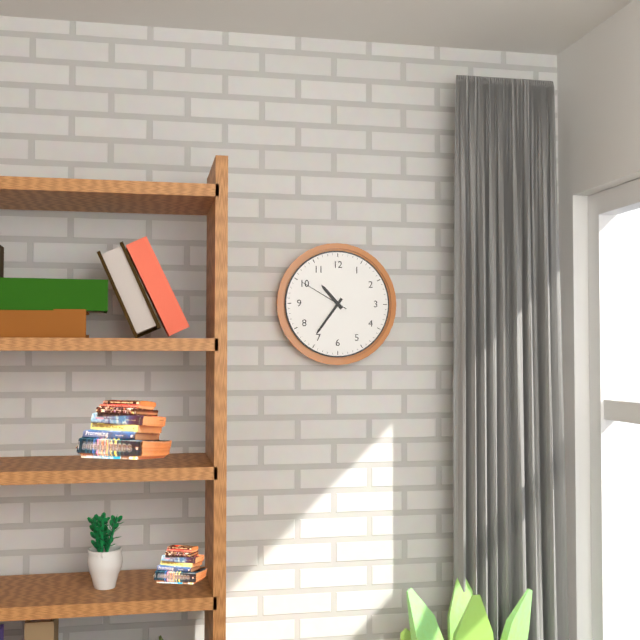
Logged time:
10,36,50
